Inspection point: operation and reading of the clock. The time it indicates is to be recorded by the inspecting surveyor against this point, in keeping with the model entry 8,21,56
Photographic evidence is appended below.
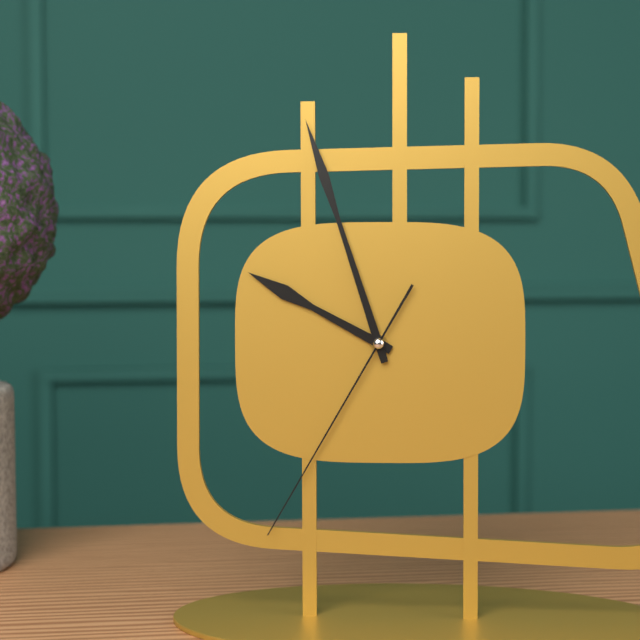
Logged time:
9,57,35
